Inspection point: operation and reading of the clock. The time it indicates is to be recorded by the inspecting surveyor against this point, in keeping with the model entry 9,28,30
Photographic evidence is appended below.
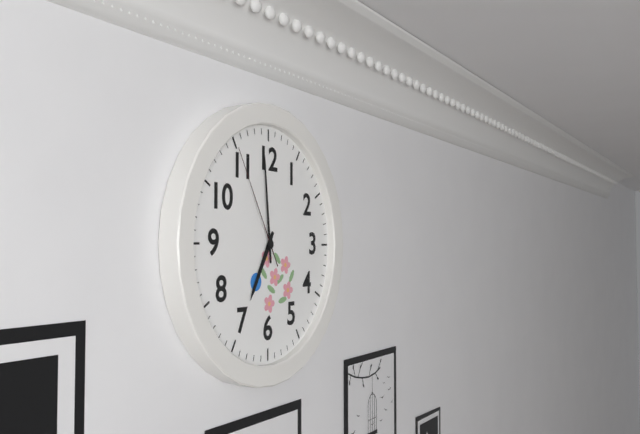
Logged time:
6,59,55
